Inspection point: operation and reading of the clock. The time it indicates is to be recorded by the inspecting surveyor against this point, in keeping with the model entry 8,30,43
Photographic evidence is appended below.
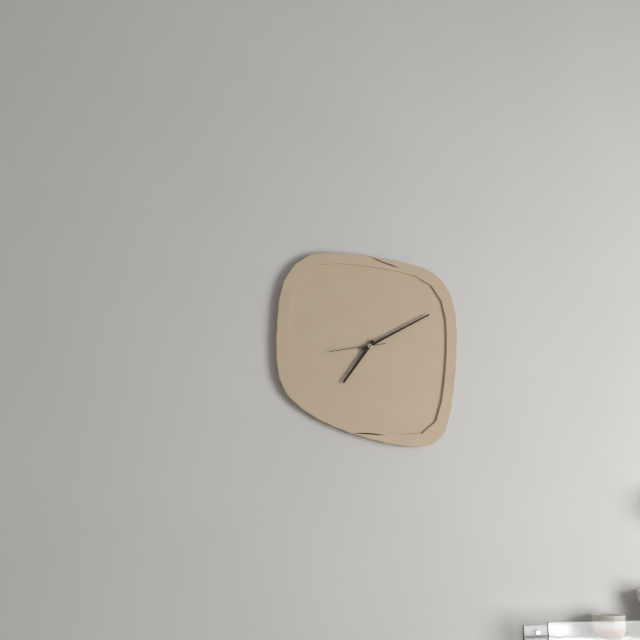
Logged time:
7,10,43
